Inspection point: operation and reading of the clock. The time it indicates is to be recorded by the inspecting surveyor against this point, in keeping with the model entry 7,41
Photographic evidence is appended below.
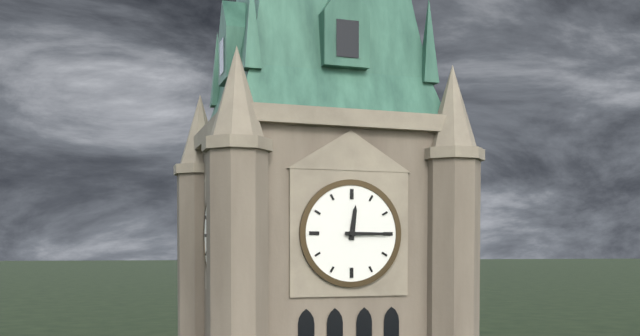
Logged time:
12,15
